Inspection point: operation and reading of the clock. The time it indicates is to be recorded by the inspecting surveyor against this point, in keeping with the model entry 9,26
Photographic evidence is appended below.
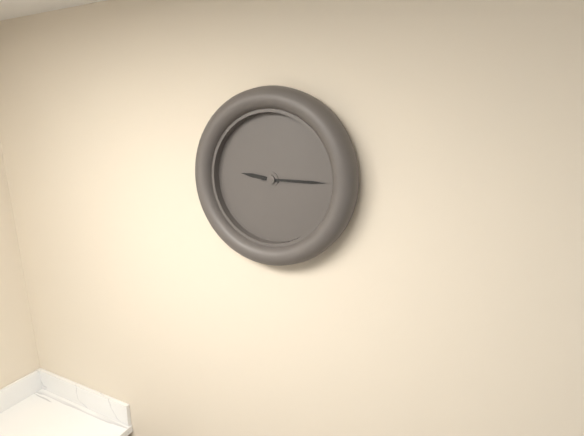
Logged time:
9,15
